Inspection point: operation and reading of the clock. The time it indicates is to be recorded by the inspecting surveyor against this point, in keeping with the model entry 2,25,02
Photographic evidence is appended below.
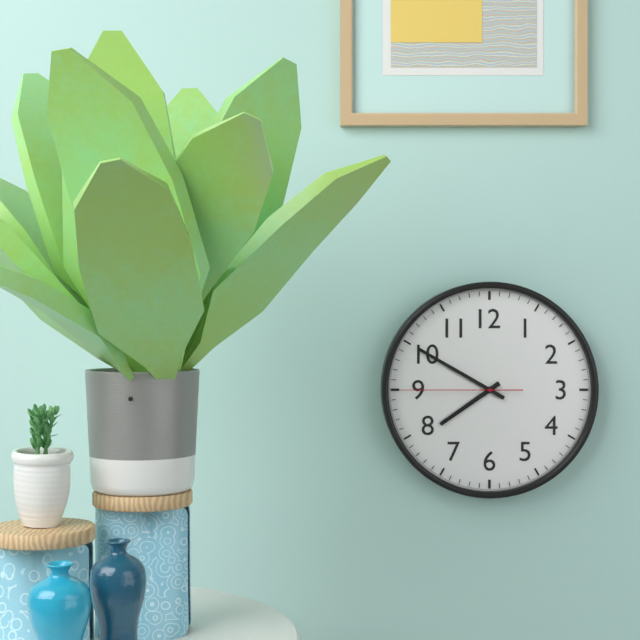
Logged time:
7,50,45
